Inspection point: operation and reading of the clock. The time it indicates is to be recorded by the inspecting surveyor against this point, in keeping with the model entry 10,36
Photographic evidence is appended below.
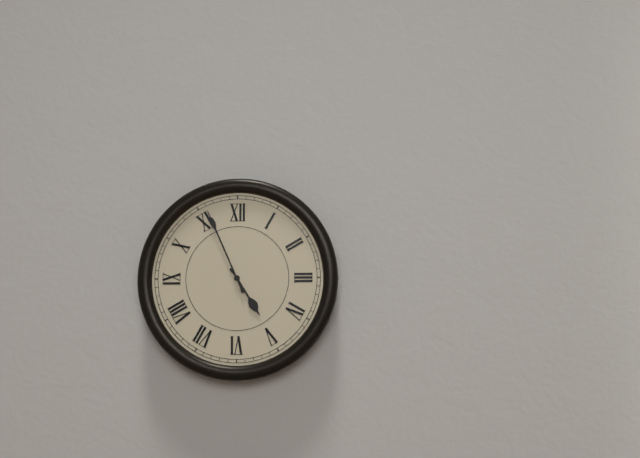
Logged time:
4,56
